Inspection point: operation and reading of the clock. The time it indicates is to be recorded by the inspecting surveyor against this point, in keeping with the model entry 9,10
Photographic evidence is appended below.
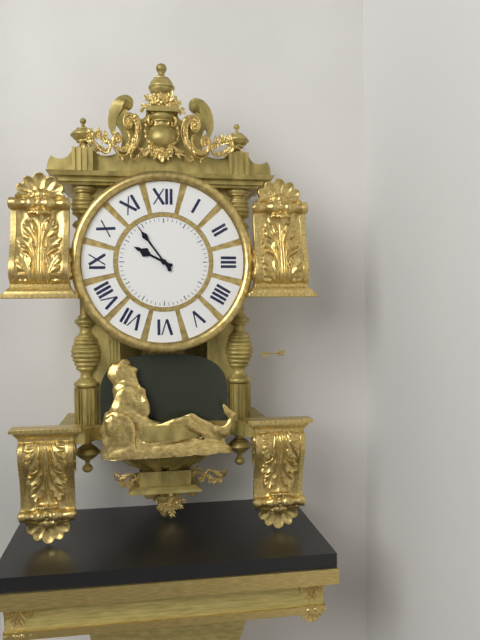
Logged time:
9,54
